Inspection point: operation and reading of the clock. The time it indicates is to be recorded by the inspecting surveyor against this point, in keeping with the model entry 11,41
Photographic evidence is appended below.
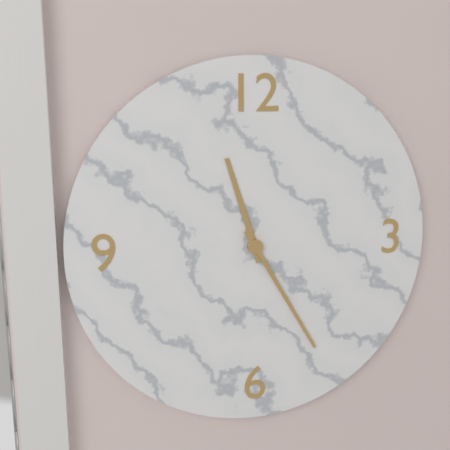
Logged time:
11,25
